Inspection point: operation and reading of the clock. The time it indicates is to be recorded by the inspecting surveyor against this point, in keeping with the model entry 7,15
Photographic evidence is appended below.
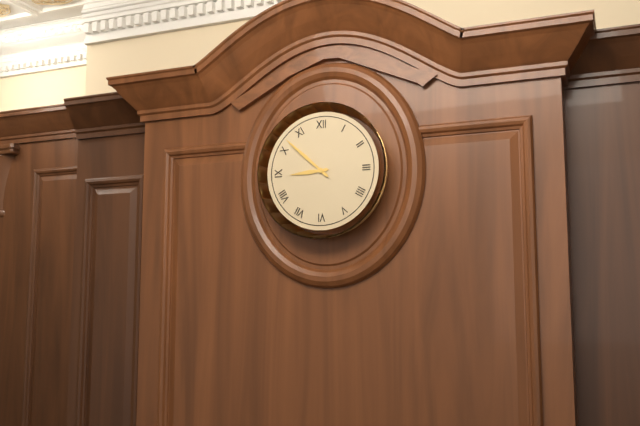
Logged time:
8,52
